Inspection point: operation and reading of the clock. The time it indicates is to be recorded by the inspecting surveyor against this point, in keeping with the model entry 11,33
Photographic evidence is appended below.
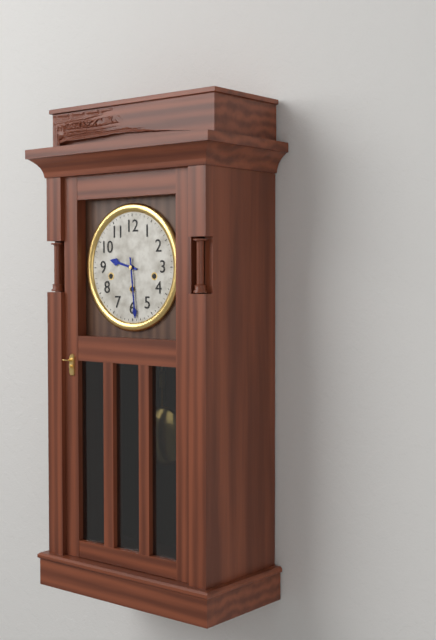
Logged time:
9,29
